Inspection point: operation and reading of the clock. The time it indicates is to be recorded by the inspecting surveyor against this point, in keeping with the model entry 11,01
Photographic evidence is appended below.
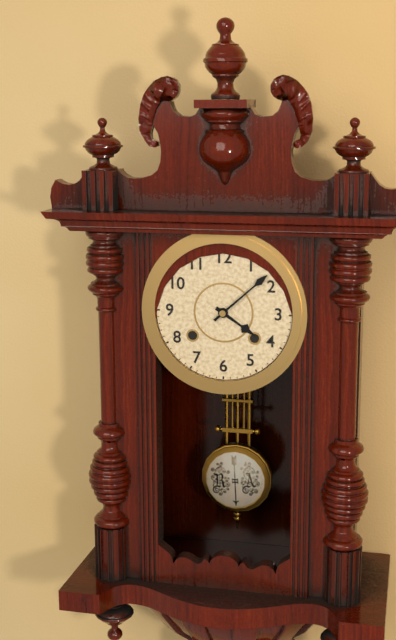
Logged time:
4,08
